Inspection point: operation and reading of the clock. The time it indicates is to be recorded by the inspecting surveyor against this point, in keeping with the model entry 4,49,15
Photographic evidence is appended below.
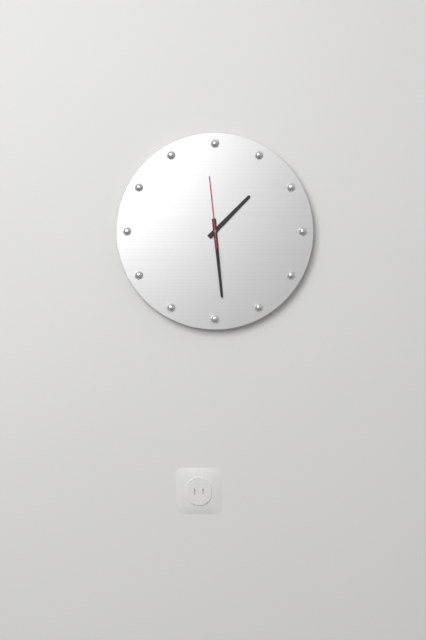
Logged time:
1,29,59
